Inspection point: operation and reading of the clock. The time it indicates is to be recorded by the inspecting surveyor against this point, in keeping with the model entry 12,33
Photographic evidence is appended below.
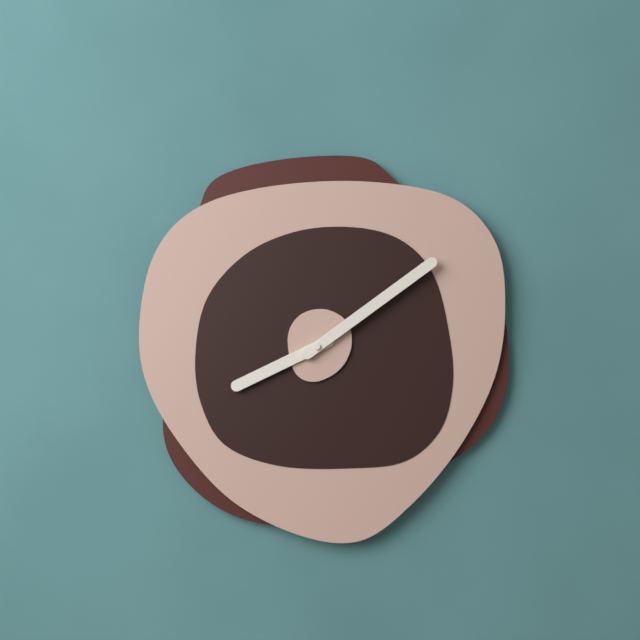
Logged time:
8,09
